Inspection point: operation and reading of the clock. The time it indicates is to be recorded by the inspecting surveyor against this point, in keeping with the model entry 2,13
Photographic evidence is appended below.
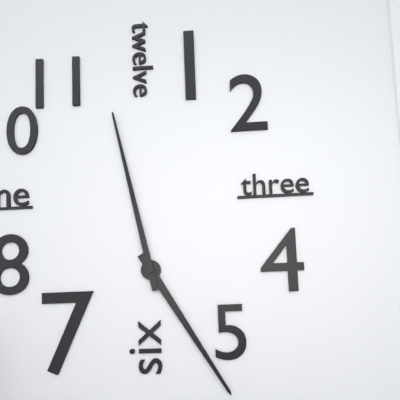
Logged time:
4,58
